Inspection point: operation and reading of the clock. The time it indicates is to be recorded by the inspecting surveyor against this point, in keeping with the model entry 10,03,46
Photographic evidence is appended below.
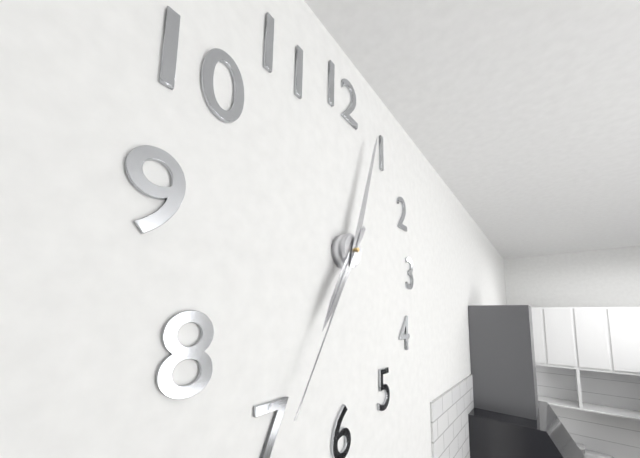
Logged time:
7,03,35
